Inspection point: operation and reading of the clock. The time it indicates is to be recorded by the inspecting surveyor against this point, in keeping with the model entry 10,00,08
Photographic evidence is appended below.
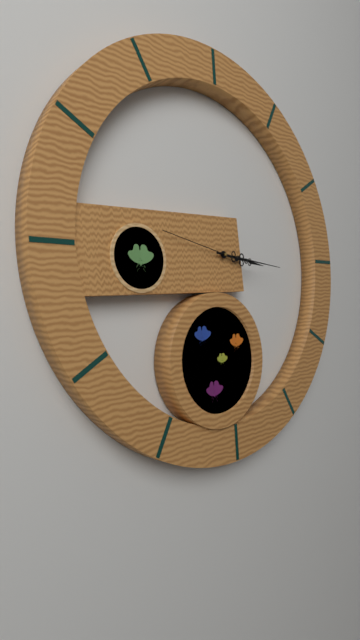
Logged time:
3,16,47
